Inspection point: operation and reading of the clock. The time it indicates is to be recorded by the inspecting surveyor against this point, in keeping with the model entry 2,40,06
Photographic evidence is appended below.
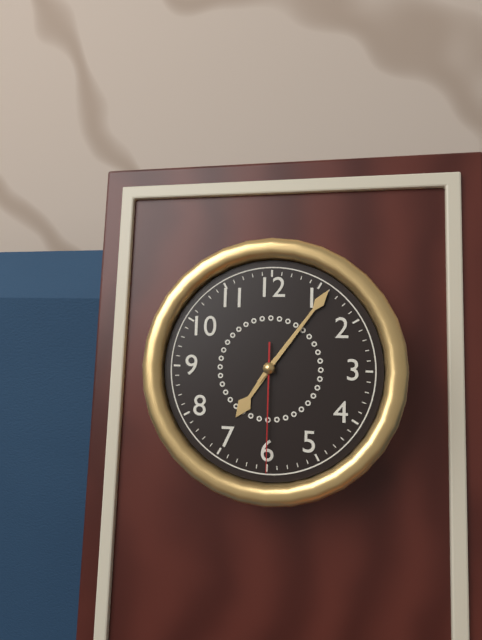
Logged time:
7,06,30
